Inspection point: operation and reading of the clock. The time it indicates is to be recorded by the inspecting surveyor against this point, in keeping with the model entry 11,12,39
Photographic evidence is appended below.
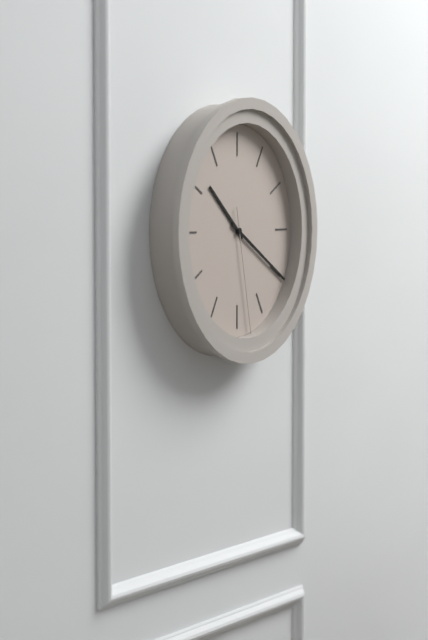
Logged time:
10,20,28
